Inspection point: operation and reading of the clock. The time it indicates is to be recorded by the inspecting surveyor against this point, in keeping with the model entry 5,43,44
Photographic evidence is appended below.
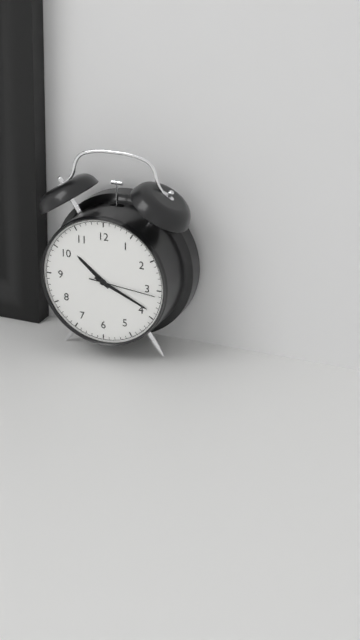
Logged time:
10,19,16
